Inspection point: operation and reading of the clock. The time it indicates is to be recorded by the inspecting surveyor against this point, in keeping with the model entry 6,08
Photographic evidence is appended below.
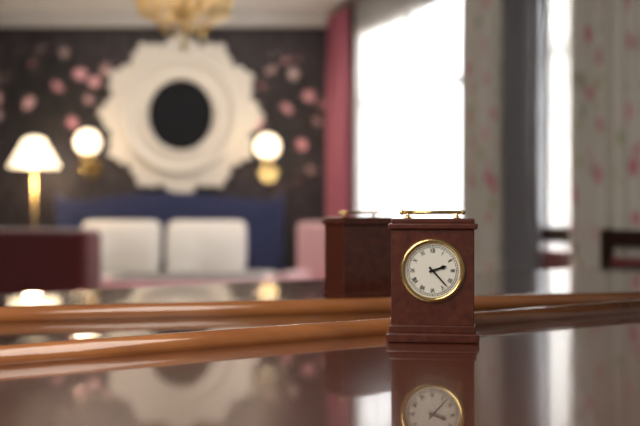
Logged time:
2,23
